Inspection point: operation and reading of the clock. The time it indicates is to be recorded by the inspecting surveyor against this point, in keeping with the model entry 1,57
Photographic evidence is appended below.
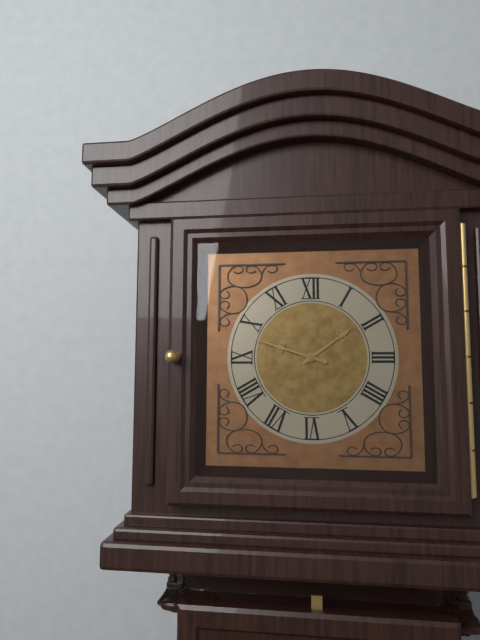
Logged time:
1,48
